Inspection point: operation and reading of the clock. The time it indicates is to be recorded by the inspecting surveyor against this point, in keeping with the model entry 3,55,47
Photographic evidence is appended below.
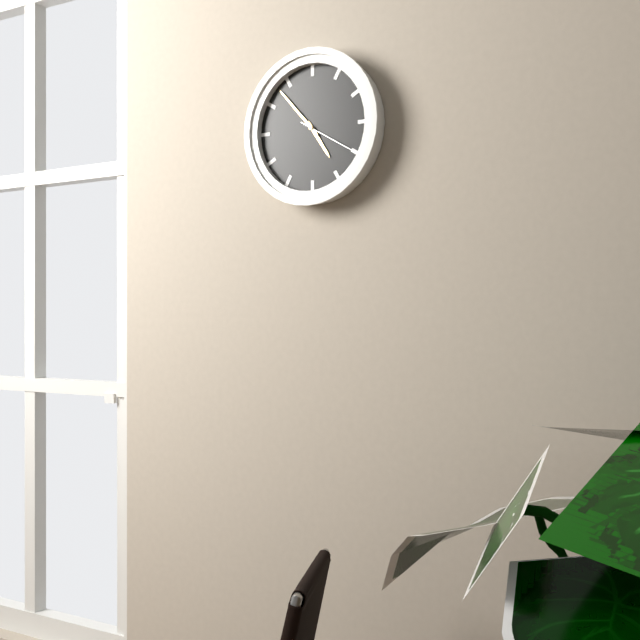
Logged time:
4,53,20
